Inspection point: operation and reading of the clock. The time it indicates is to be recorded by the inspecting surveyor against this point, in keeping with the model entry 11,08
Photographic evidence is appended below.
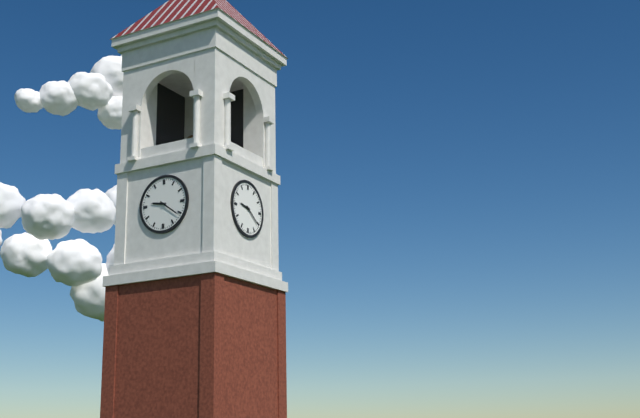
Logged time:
9,21
